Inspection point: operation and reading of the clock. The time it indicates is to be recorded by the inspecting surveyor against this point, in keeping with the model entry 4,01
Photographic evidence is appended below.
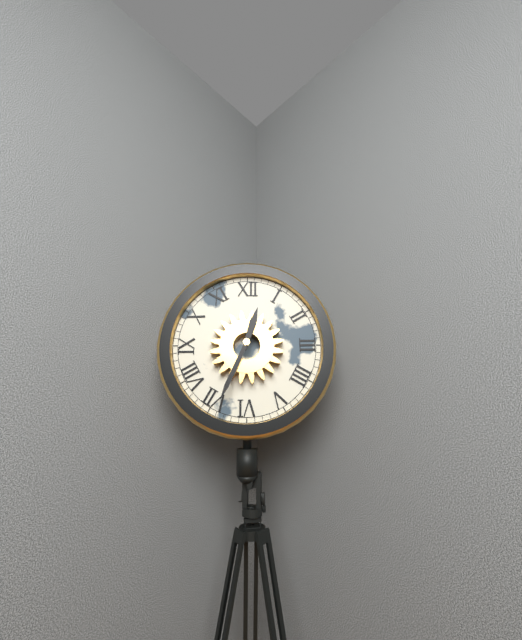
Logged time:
12,34
